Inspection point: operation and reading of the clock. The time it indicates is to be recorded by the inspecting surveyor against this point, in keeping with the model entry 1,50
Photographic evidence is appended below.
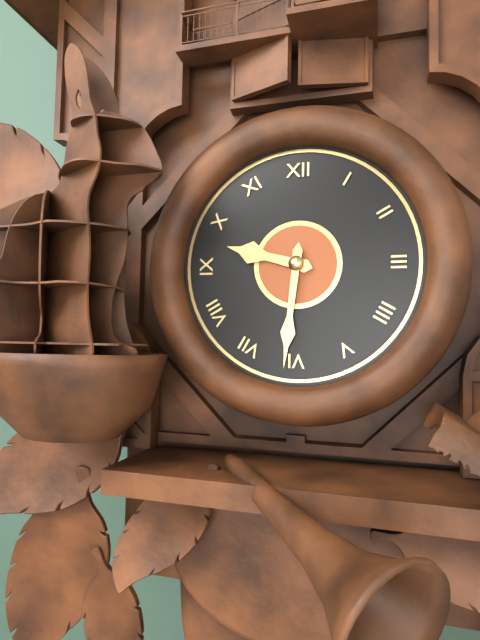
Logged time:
9,31
